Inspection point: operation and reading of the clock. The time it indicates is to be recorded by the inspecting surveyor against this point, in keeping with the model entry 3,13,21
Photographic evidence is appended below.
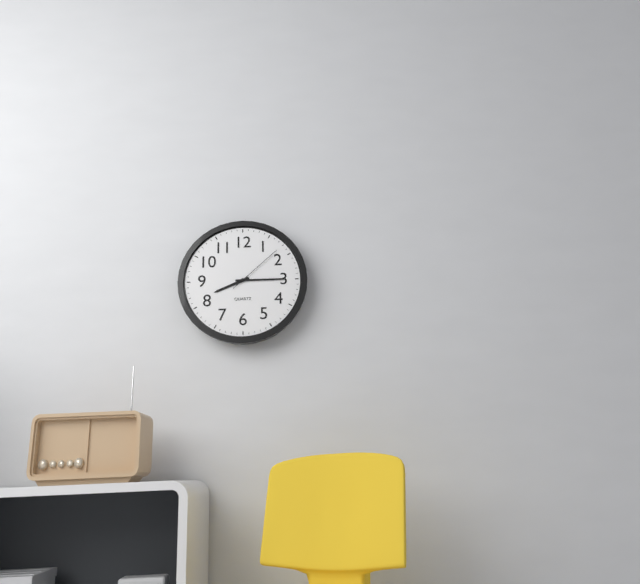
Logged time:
8,15,08
